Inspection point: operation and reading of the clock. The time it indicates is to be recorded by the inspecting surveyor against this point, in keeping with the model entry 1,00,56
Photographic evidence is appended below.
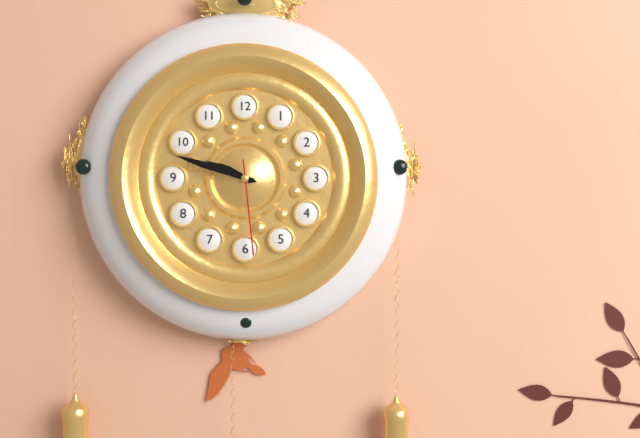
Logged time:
9,48,29
